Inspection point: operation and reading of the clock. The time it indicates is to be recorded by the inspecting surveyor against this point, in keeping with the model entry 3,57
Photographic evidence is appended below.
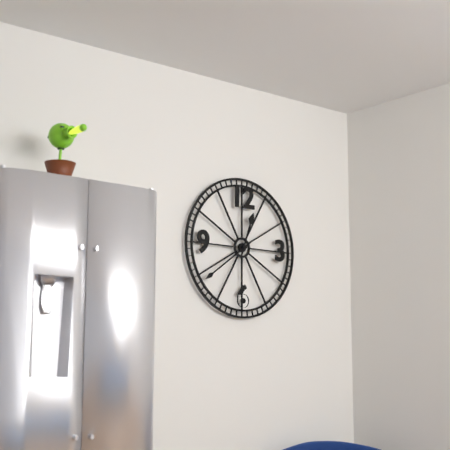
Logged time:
12,39
